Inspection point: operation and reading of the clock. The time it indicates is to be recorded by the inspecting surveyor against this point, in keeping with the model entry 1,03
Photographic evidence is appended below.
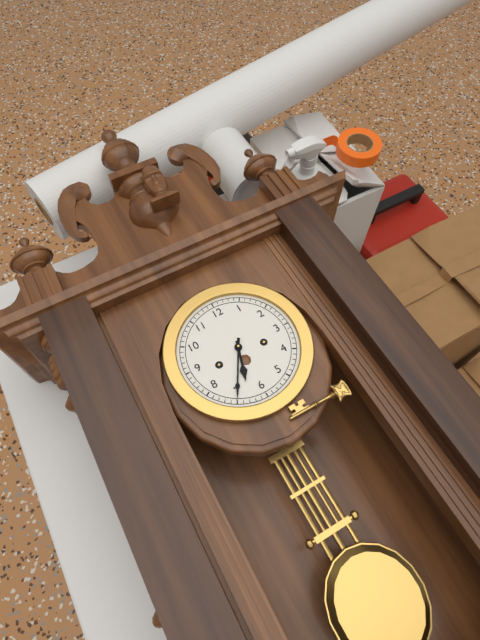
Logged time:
6,35
